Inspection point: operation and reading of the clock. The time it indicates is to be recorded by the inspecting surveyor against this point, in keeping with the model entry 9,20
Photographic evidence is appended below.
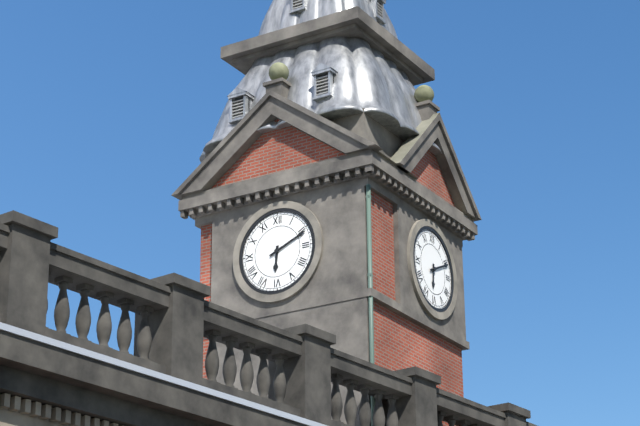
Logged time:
6,11
